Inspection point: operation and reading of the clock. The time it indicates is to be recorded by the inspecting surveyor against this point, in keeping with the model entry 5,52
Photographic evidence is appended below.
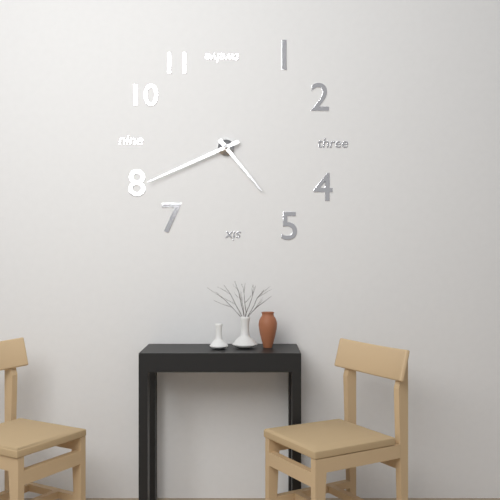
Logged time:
4,41
